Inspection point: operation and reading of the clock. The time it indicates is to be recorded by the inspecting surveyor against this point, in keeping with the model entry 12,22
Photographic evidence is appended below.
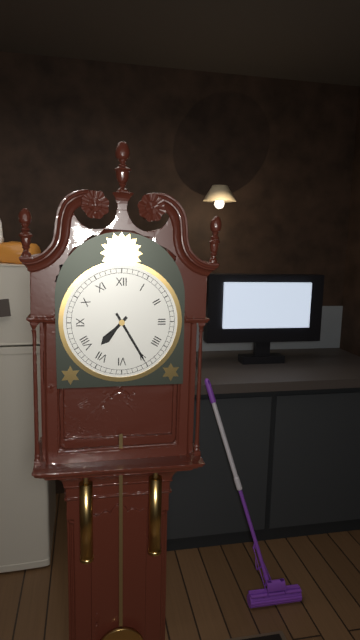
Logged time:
7,25
